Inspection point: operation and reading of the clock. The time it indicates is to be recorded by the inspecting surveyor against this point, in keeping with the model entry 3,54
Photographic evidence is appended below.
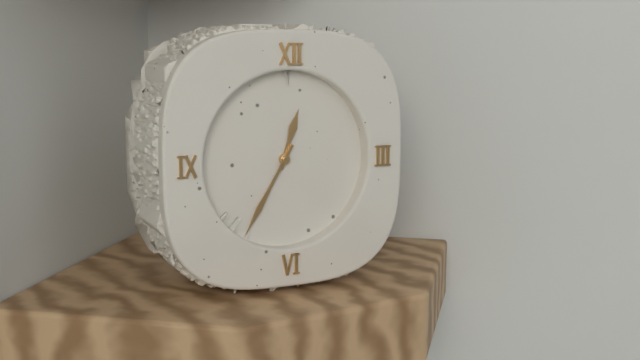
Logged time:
12,35
